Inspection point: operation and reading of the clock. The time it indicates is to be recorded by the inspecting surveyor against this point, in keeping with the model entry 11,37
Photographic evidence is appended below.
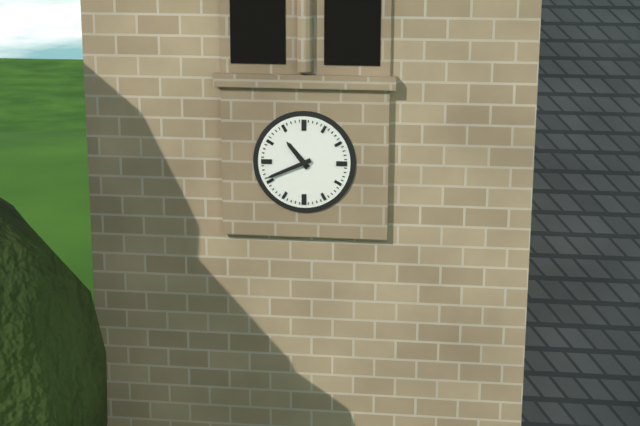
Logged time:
10,41
